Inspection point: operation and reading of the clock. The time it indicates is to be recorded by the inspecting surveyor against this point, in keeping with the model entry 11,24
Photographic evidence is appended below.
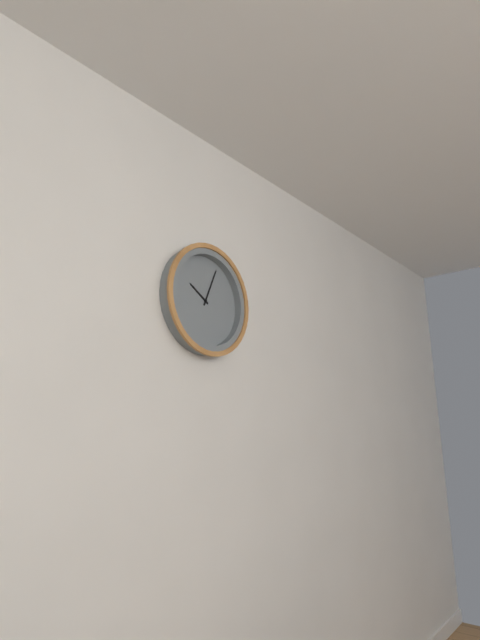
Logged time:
10,04
